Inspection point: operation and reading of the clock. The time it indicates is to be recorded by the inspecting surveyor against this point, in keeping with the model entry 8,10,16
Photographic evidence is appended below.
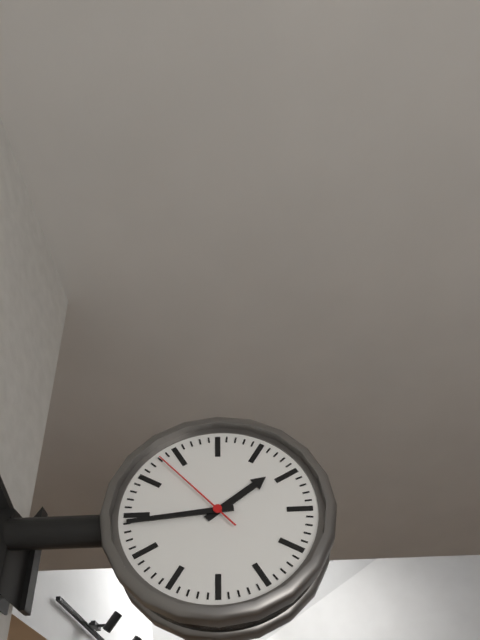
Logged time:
1,44,53
